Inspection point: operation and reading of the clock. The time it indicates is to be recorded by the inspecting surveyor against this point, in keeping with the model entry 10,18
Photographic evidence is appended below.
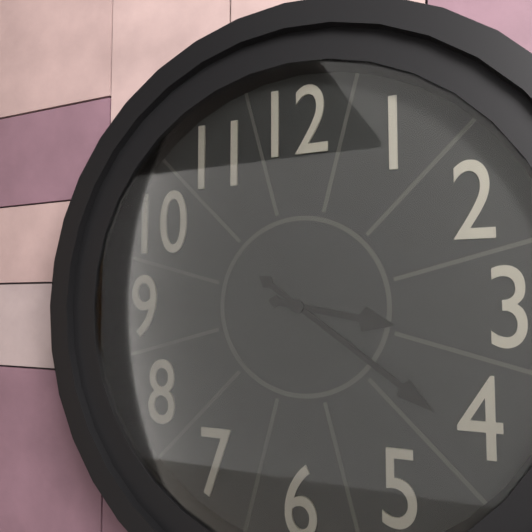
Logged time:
3,21
